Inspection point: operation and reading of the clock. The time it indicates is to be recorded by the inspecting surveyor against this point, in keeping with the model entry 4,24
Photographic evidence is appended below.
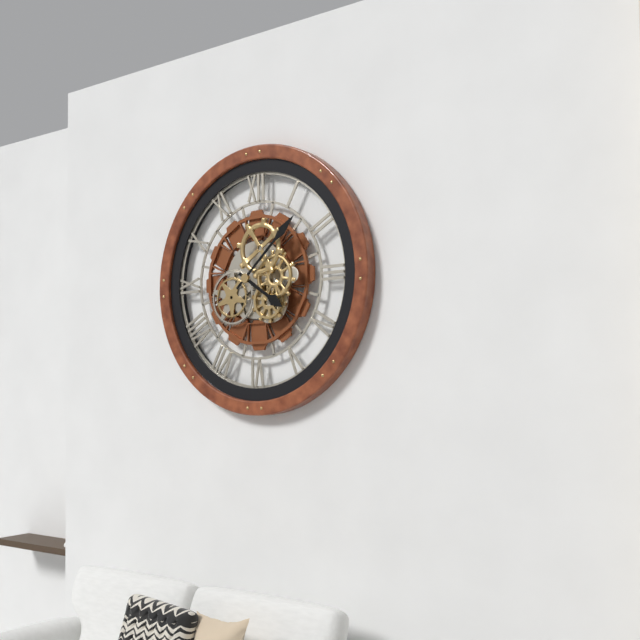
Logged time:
4,08
